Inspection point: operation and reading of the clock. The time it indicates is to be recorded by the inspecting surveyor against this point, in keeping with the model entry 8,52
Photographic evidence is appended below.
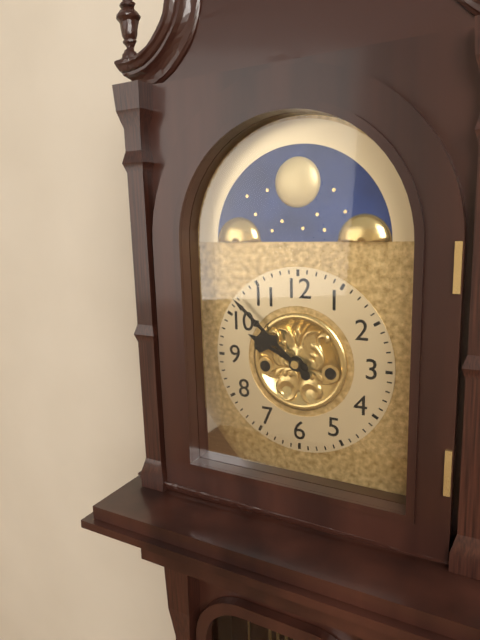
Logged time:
9,52
